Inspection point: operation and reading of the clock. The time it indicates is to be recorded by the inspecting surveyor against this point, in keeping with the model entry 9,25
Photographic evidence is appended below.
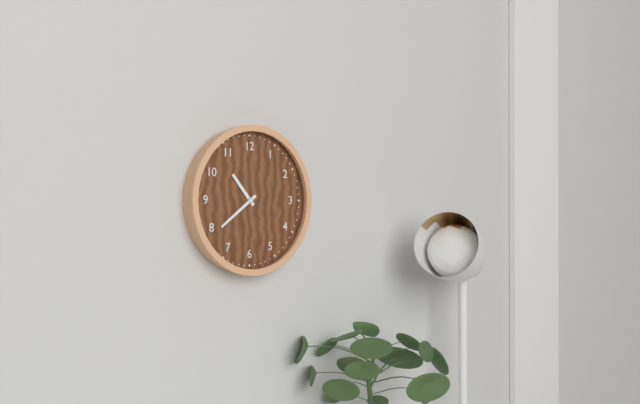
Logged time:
10,39
